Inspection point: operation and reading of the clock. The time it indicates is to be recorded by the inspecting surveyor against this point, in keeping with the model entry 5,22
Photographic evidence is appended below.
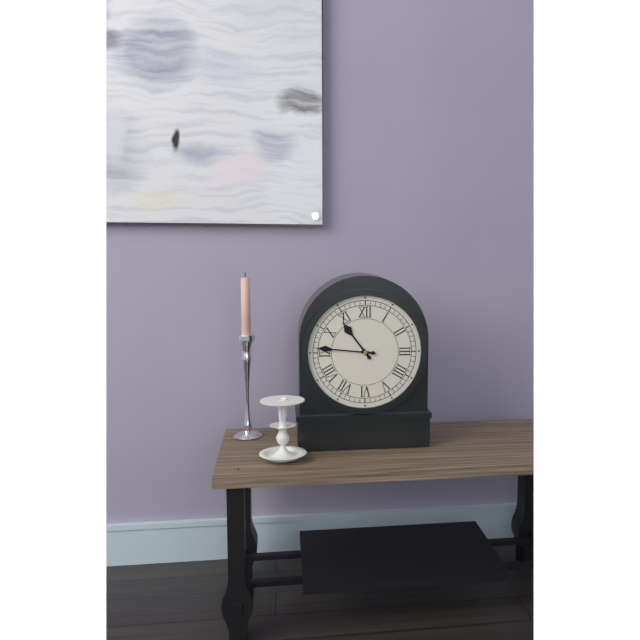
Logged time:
10,46
